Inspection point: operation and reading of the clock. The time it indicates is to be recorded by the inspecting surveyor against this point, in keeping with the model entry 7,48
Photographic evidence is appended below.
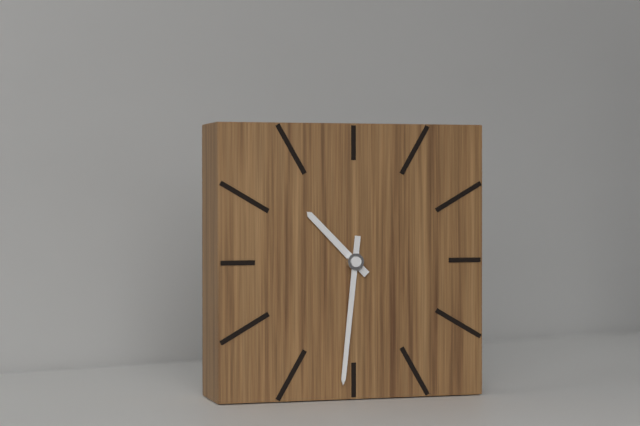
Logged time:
10,31
